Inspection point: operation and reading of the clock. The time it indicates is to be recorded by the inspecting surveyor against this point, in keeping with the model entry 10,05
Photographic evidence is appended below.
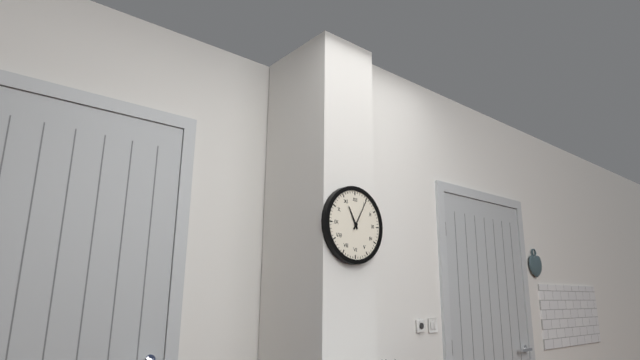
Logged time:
11,05
